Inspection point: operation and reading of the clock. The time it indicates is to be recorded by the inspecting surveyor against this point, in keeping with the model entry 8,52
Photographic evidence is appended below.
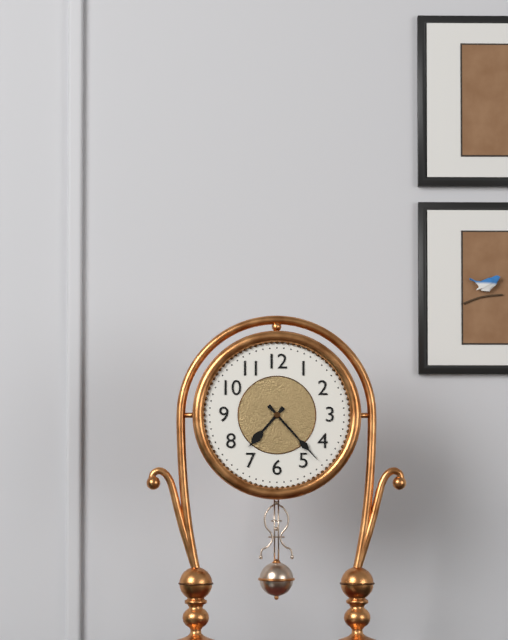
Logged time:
7,23
